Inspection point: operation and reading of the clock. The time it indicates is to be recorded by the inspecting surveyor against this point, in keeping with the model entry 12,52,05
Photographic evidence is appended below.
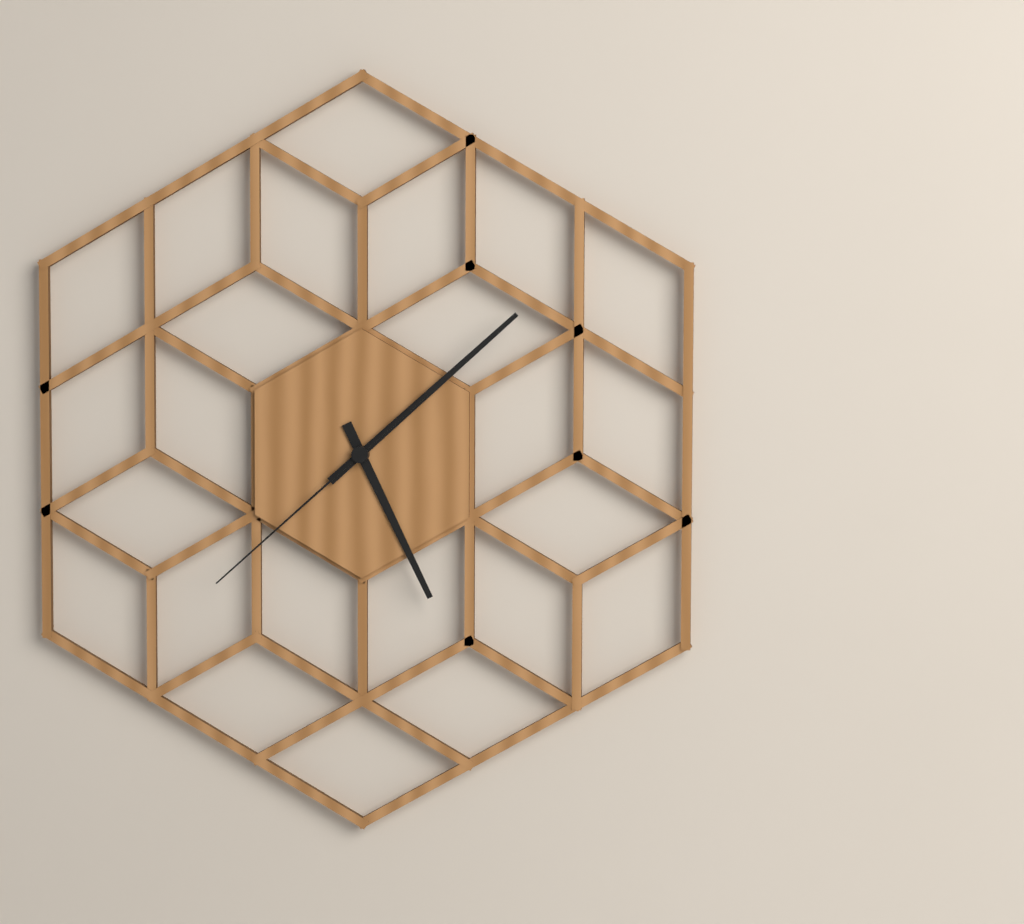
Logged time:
5,08,38
